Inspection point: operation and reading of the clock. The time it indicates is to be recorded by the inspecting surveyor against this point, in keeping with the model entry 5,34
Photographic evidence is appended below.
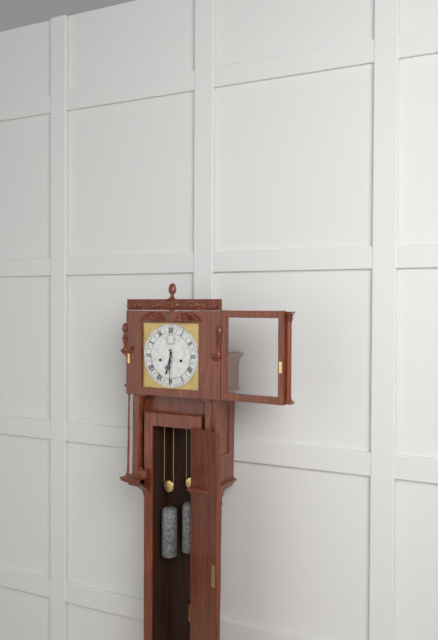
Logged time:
6,30
